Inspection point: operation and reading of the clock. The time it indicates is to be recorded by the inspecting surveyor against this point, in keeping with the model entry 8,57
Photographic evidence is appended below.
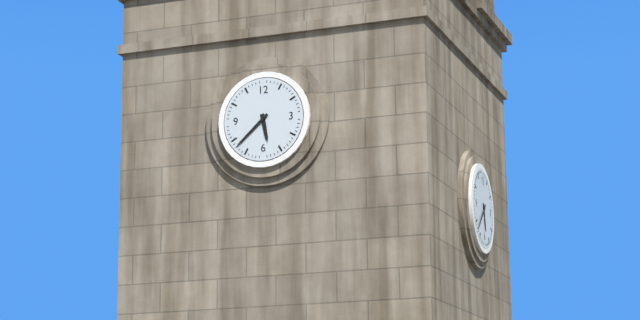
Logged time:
5,38
